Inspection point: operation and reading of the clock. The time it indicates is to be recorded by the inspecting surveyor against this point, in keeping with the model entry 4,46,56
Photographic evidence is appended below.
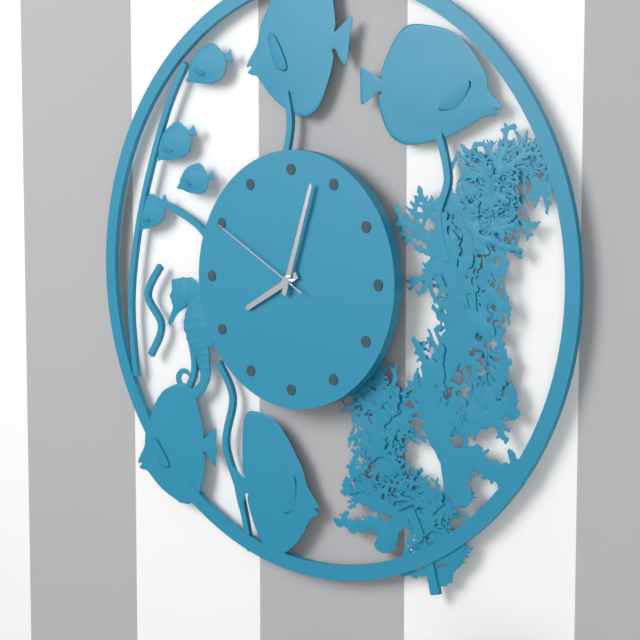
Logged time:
8,03,50
